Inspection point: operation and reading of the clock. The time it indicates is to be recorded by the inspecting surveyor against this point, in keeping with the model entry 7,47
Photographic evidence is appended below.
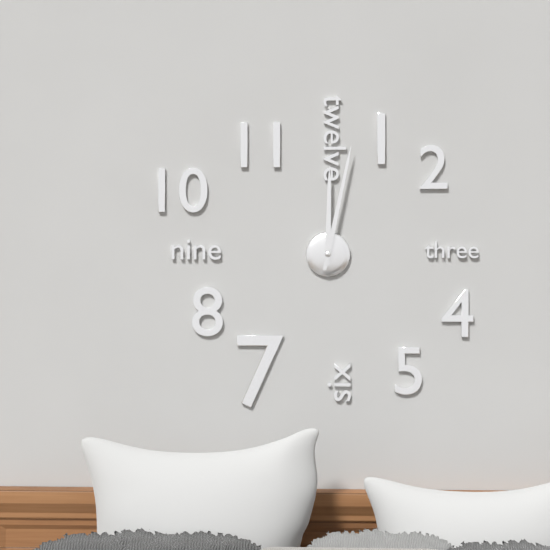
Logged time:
12,02
